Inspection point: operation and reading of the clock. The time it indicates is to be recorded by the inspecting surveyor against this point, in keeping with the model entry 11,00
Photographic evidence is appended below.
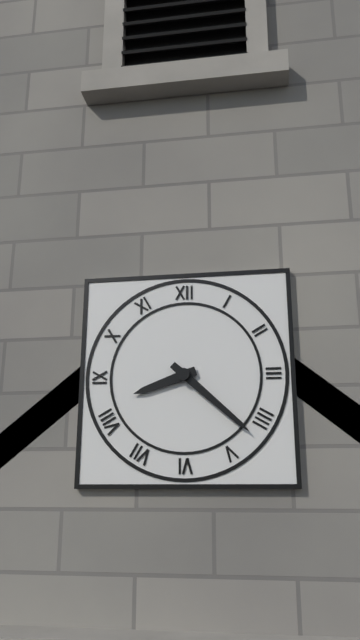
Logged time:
8,22
